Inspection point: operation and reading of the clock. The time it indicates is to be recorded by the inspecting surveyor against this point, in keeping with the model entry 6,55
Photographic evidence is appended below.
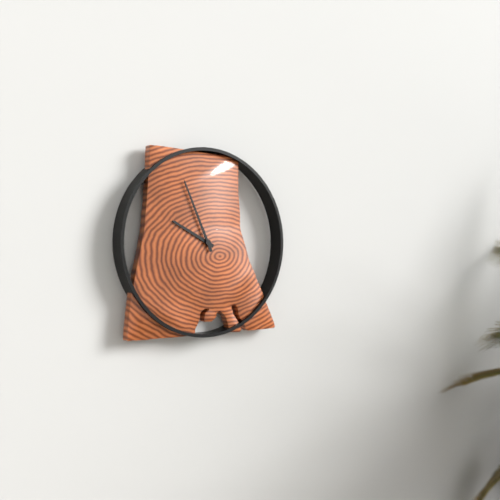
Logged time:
9,56
